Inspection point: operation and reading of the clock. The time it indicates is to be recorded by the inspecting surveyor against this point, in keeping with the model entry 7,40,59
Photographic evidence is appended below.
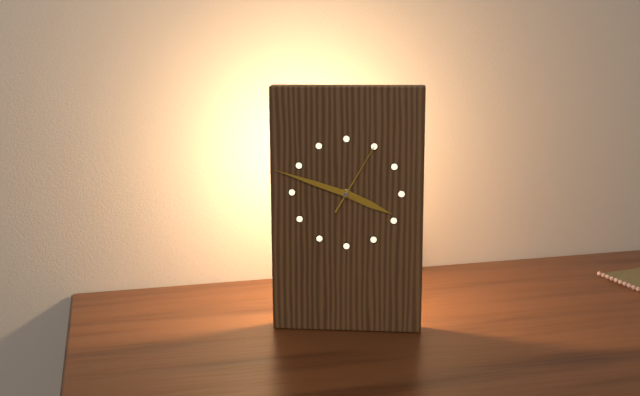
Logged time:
3,48,05
